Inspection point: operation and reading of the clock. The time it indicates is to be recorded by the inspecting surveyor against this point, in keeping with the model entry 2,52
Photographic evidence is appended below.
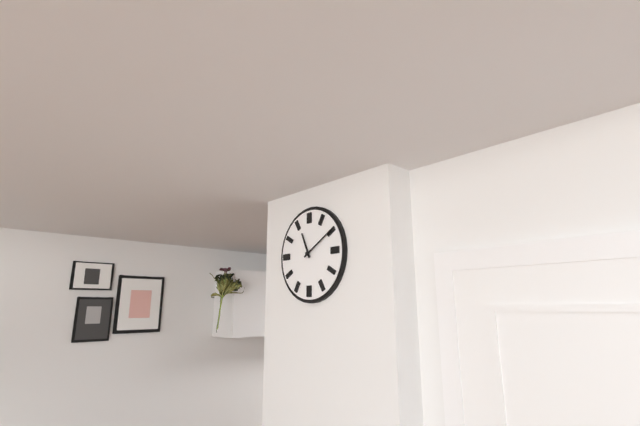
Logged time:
11,10
